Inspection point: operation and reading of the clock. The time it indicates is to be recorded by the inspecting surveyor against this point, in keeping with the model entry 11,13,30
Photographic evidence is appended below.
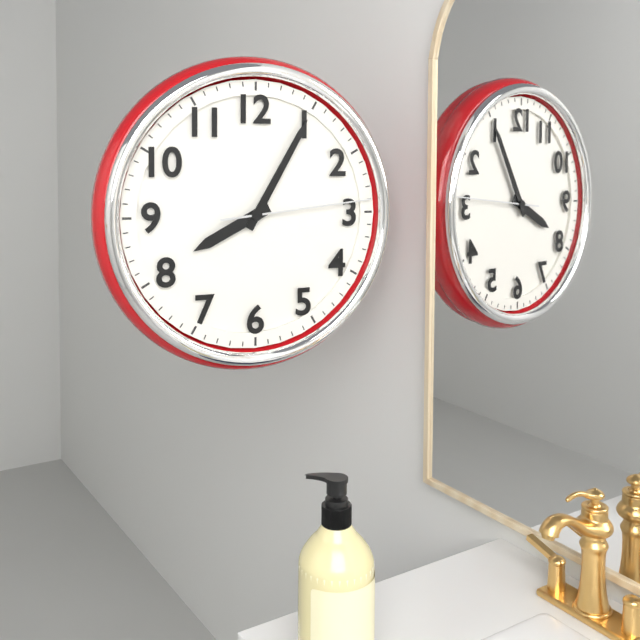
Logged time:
8,05,14
